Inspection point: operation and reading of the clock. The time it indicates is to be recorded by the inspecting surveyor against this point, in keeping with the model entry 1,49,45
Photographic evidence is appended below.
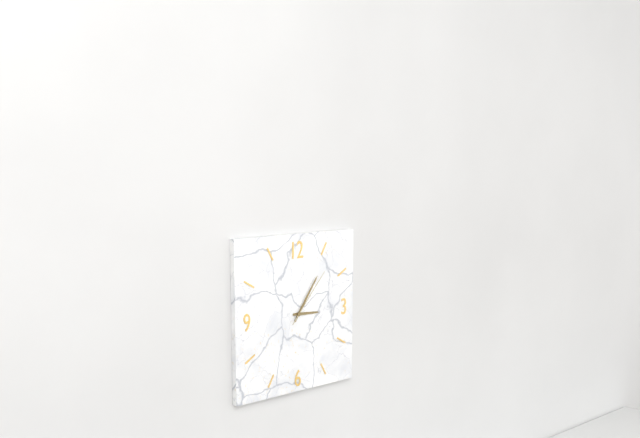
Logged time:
3,06,07
